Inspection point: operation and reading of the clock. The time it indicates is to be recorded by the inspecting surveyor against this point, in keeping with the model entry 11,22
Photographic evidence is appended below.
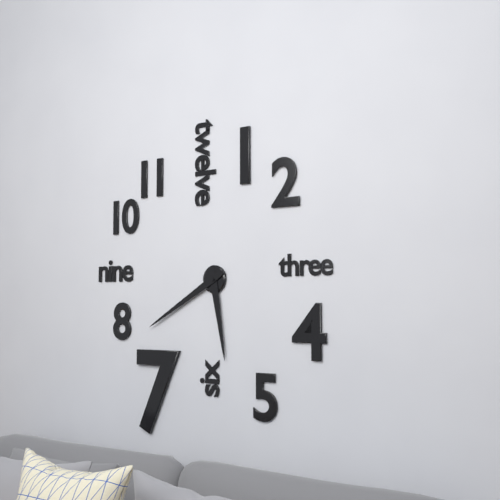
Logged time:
5,40
